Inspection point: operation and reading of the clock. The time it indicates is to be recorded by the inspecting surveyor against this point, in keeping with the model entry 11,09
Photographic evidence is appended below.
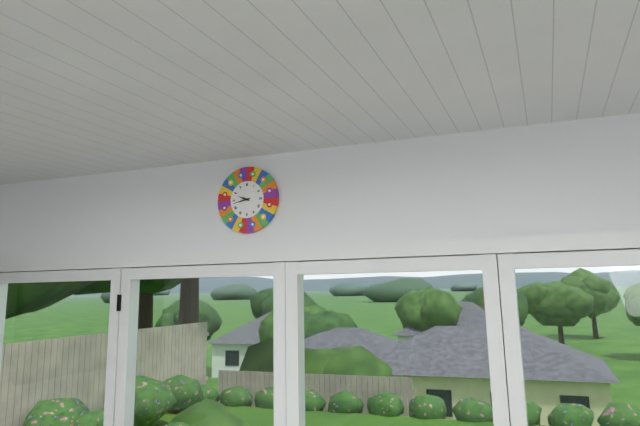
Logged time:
9,43
